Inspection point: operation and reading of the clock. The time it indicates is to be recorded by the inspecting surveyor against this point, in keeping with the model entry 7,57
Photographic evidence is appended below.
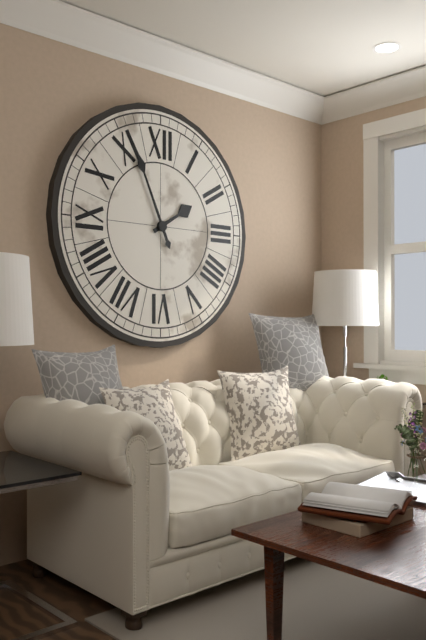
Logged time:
1,56
